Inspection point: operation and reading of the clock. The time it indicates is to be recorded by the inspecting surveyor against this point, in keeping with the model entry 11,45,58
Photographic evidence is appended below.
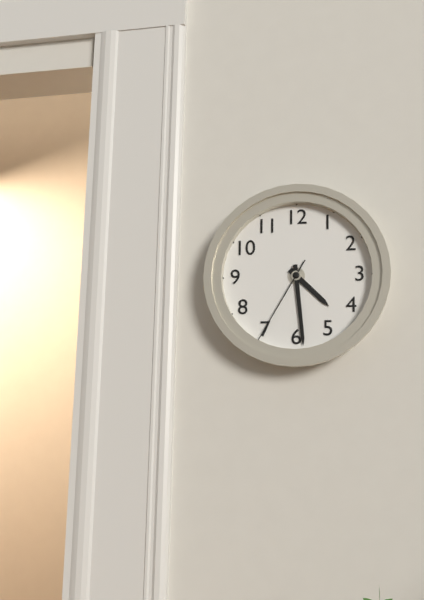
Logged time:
4,29,35
